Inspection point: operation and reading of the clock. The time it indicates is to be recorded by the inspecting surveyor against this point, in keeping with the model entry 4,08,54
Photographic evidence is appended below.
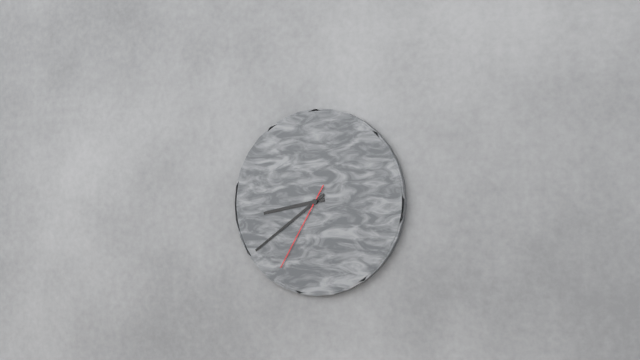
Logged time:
8,39,35
